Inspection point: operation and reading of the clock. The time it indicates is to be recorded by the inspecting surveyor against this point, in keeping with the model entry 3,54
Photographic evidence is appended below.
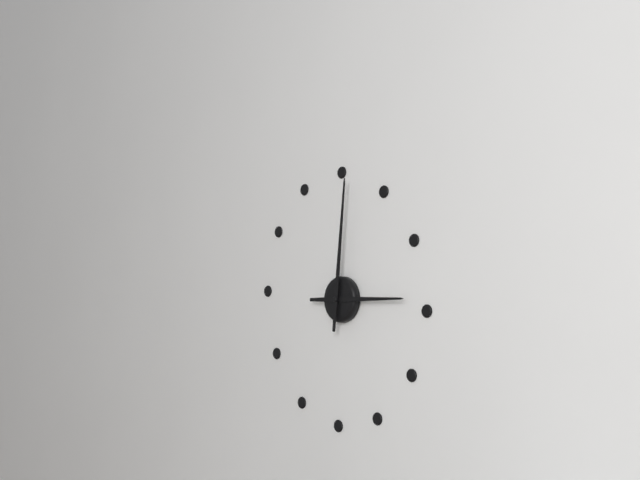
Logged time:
3,01
